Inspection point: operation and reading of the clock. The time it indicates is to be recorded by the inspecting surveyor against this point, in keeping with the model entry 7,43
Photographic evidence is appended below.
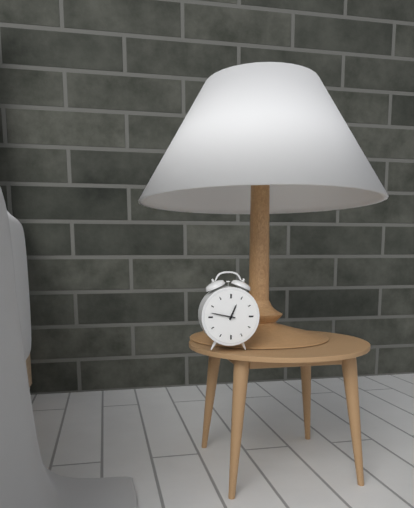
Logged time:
12,47
